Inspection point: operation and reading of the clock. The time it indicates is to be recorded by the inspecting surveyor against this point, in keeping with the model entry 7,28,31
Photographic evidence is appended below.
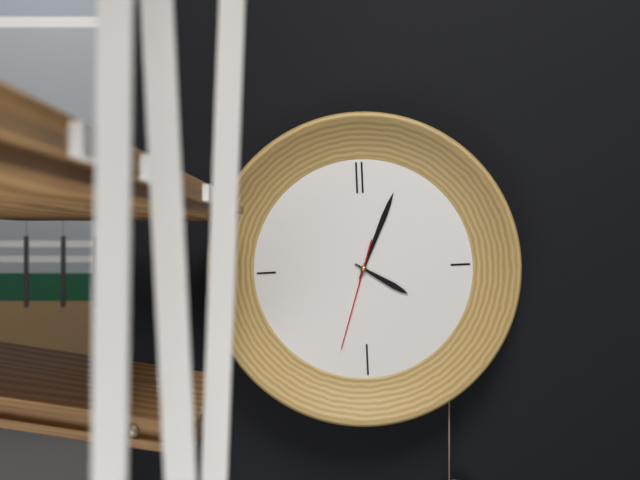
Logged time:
4,04,33
